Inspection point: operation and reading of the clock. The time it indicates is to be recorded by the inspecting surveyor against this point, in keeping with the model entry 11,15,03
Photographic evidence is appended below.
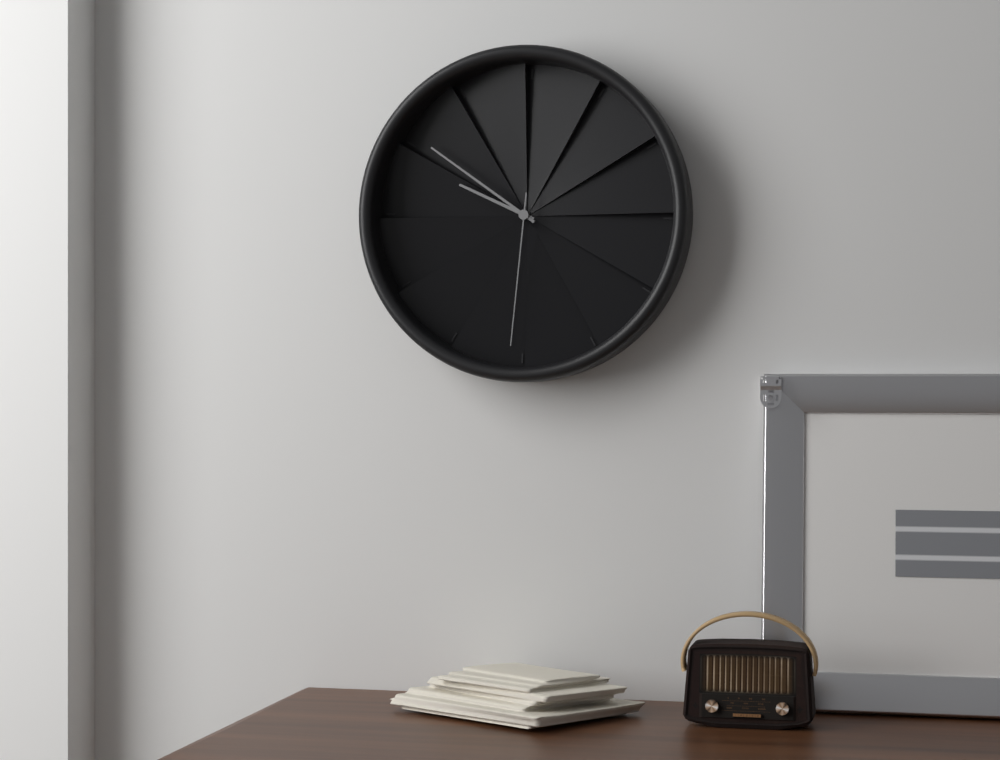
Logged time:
9,51,31
